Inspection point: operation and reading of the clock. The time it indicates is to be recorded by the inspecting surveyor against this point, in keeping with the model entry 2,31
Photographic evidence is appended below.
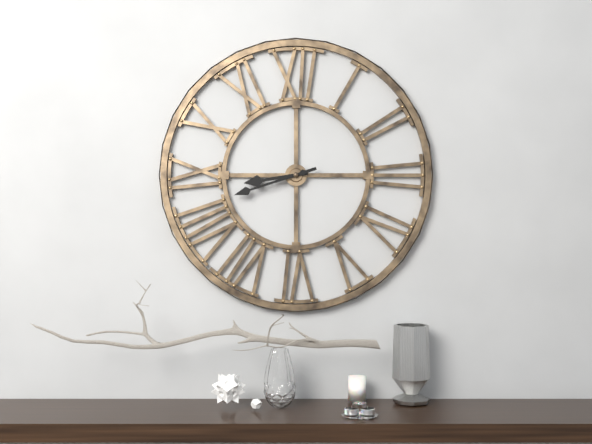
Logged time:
8,42
